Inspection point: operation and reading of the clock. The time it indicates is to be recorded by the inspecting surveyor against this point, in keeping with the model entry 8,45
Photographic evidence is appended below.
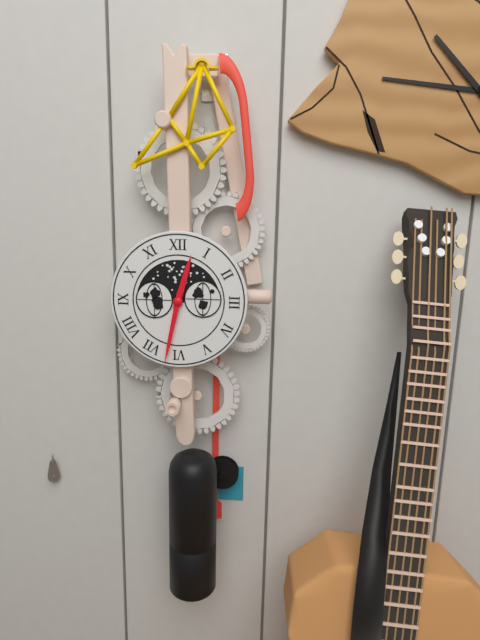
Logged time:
12,32
